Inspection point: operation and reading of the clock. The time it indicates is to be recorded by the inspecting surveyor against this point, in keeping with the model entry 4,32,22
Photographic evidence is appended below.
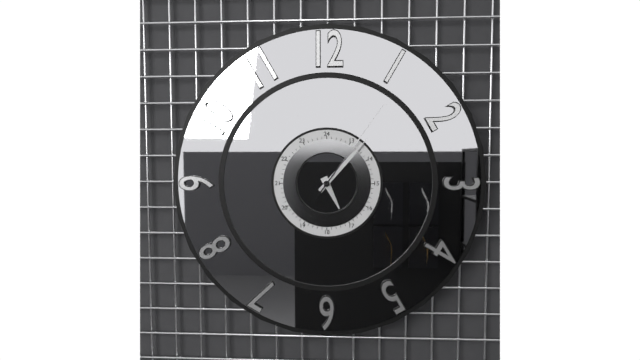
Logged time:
5,07,06
